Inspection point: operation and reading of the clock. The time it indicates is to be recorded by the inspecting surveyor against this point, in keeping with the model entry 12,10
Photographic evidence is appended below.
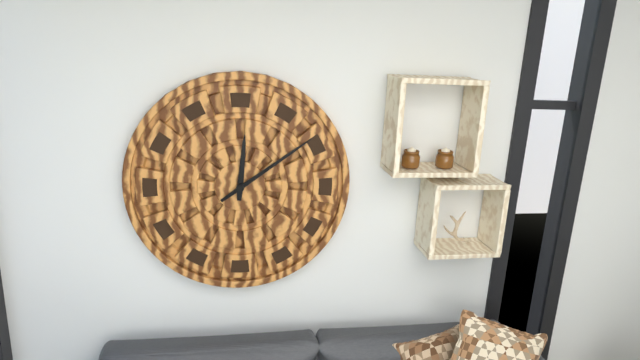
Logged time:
12,09
